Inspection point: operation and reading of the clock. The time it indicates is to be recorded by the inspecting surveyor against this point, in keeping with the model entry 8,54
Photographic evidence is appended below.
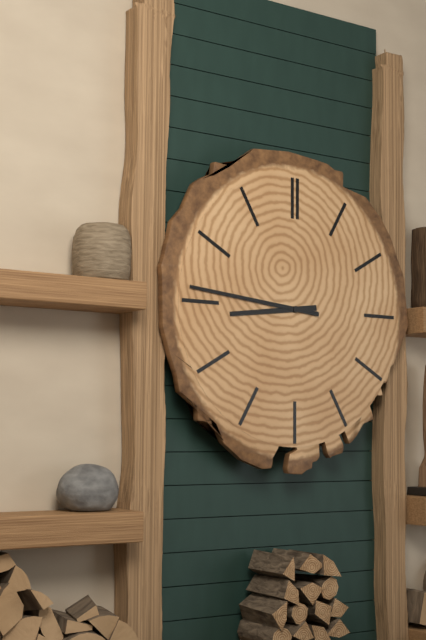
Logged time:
8,46
